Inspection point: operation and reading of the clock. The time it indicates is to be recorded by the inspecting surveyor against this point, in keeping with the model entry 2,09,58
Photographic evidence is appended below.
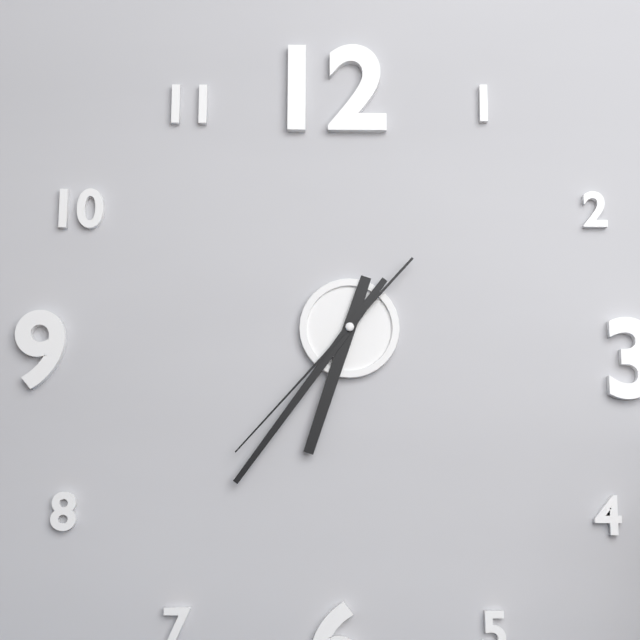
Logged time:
6,36,37
